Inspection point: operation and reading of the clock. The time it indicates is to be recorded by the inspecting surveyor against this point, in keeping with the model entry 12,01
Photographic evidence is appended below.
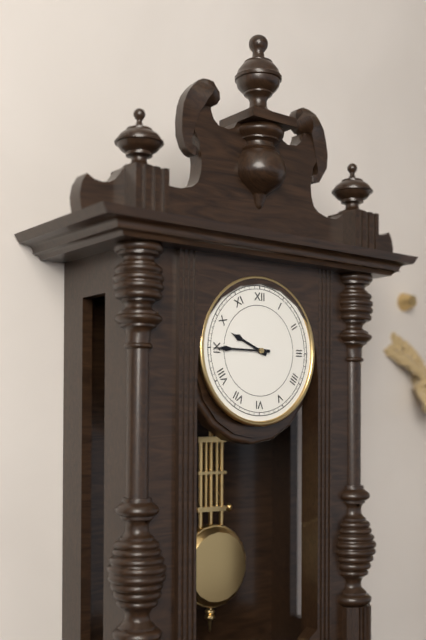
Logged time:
9,45
